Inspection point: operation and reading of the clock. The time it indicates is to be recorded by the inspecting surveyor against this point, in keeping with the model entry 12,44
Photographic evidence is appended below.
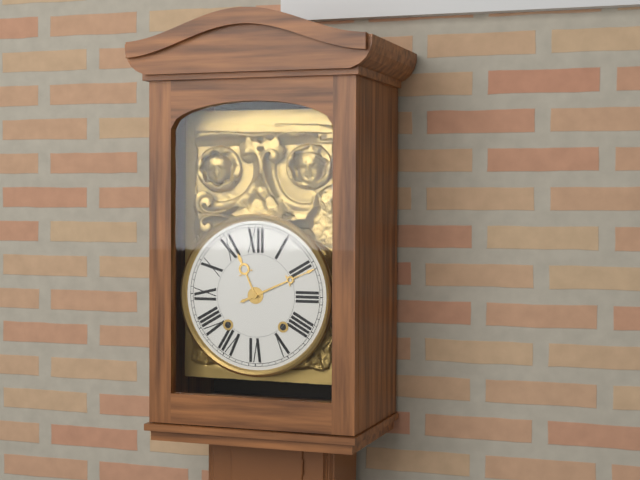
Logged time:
11,11
